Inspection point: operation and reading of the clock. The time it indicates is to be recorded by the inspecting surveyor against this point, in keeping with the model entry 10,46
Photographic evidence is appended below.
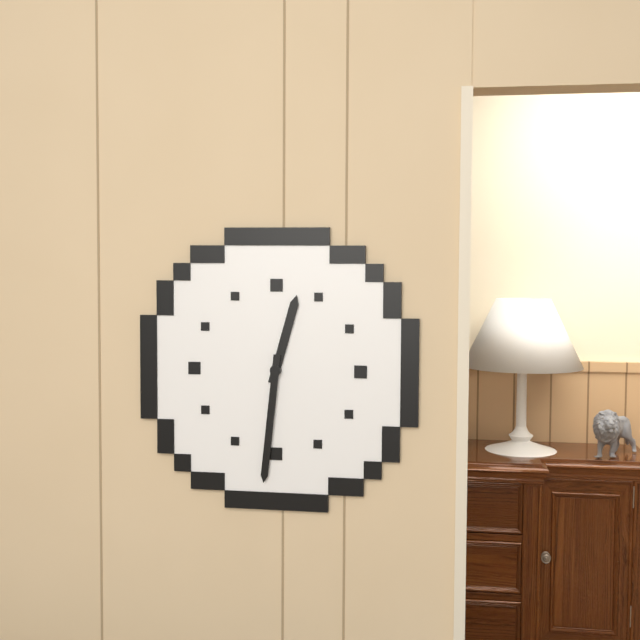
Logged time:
12,31
